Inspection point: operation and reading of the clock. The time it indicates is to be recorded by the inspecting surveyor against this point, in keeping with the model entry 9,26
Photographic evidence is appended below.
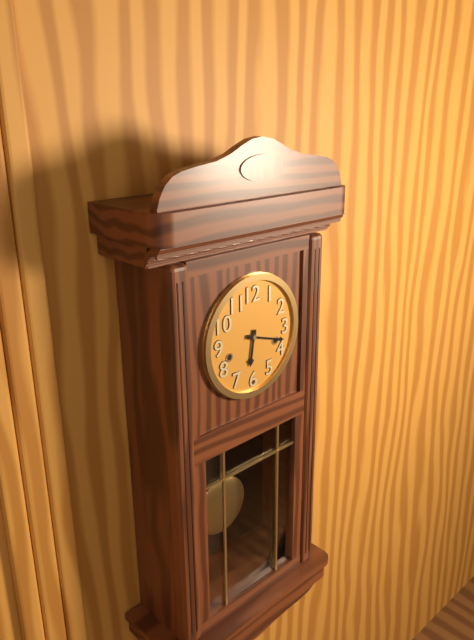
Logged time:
6,18
